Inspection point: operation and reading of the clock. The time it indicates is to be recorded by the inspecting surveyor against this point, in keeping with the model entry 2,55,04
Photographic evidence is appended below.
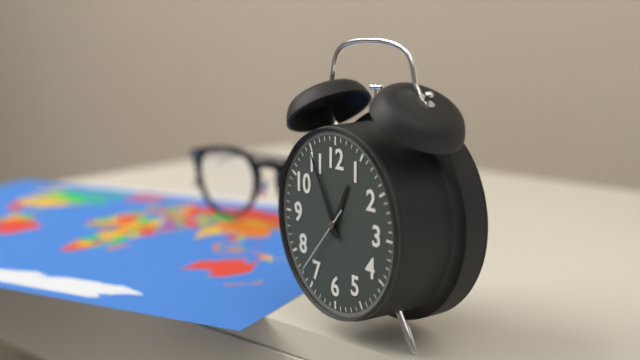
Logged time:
12,55,37
